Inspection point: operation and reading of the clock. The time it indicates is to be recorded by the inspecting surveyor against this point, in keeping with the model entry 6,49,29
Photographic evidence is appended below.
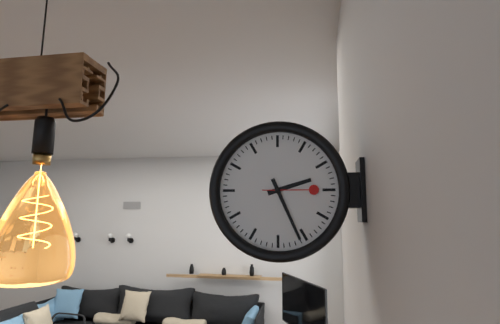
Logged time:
2,26,15
